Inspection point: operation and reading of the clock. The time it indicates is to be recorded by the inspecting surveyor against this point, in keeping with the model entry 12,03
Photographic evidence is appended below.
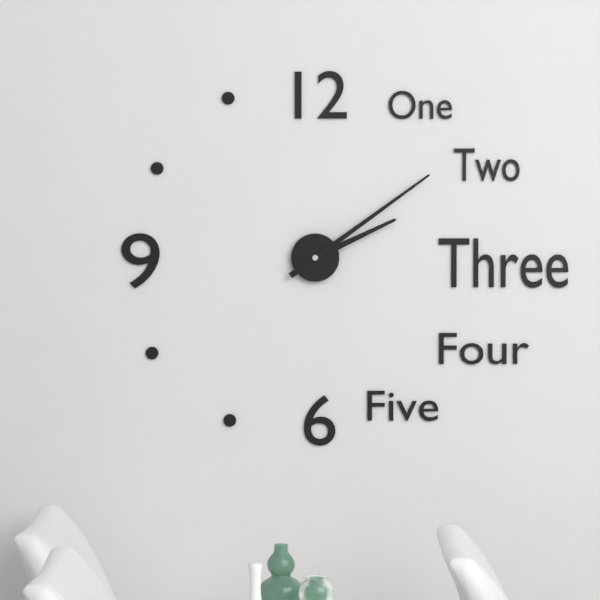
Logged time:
2,09
